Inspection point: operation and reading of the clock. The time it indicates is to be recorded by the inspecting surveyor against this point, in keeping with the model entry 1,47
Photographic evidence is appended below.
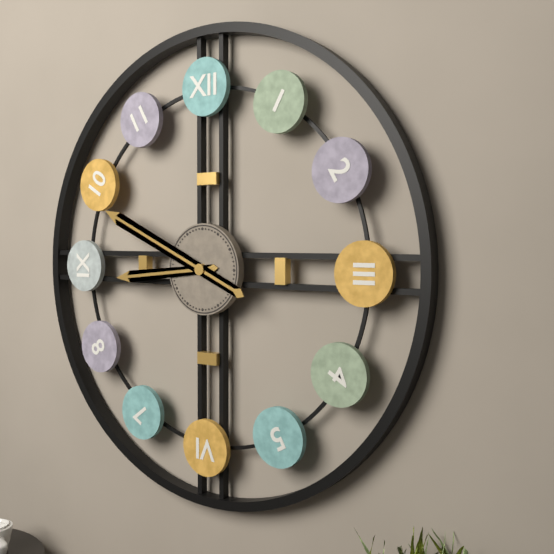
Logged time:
8,49
